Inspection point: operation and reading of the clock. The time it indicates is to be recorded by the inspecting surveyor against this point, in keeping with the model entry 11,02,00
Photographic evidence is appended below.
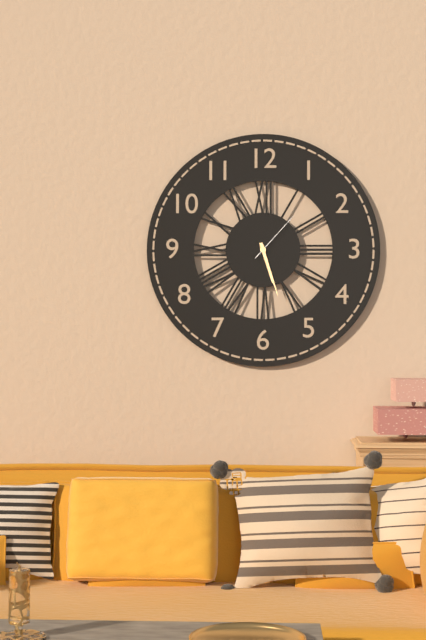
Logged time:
5,27,07
